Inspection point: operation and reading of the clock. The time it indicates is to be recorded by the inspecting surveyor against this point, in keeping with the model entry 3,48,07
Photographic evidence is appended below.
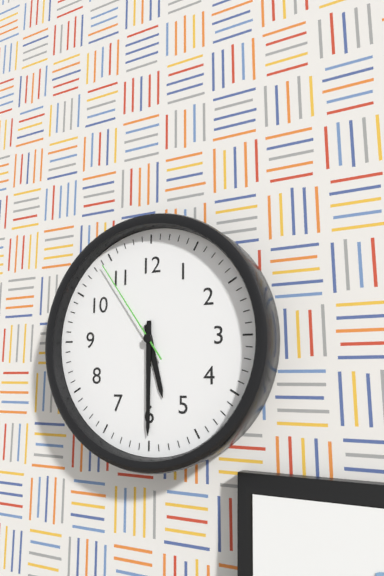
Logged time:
5,30,54
